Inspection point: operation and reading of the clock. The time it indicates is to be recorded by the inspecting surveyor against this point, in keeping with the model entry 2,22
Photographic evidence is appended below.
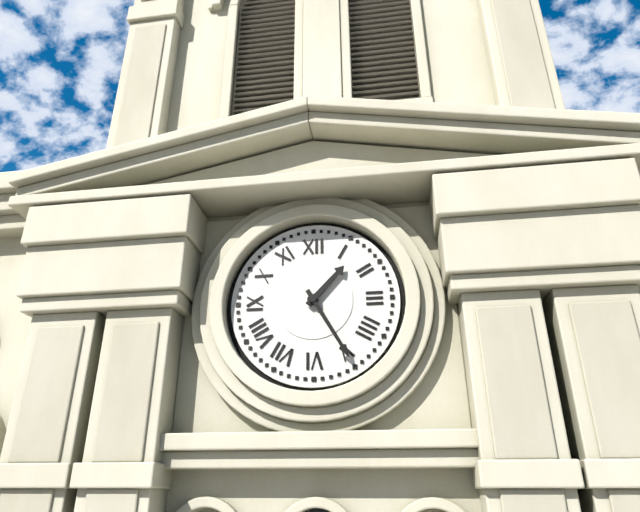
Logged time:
1,25
